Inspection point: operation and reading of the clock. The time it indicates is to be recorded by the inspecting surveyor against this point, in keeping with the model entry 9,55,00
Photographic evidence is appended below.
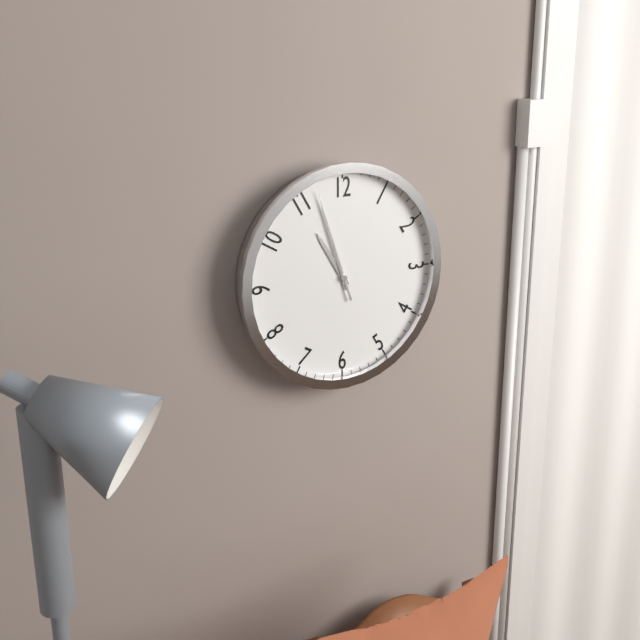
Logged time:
10,57,57
